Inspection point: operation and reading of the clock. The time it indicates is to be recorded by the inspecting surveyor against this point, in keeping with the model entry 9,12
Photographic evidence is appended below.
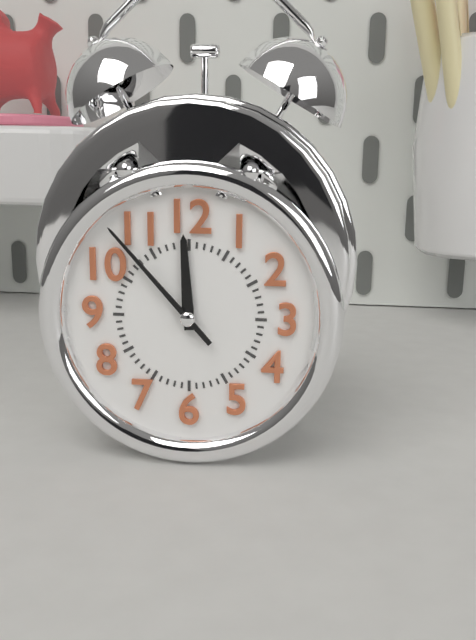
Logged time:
11,53
